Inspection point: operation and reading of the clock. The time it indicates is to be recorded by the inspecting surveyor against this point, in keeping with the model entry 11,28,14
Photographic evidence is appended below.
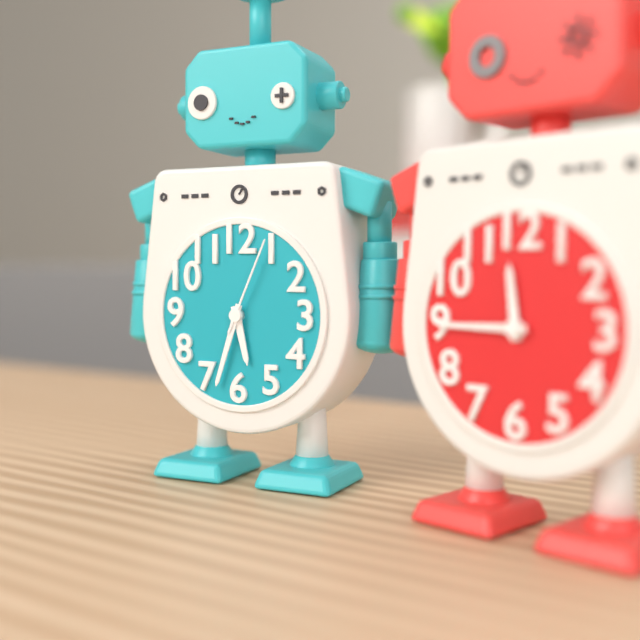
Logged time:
5,33,04
